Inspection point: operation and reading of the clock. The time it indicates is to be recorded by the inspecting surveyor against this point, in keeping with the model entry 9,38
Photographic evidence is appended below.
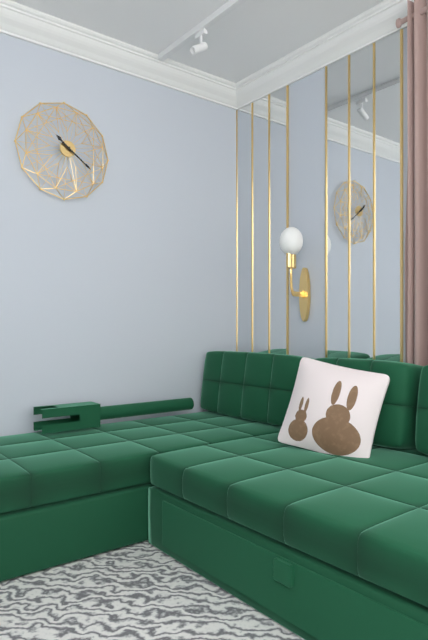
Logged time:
10,21
